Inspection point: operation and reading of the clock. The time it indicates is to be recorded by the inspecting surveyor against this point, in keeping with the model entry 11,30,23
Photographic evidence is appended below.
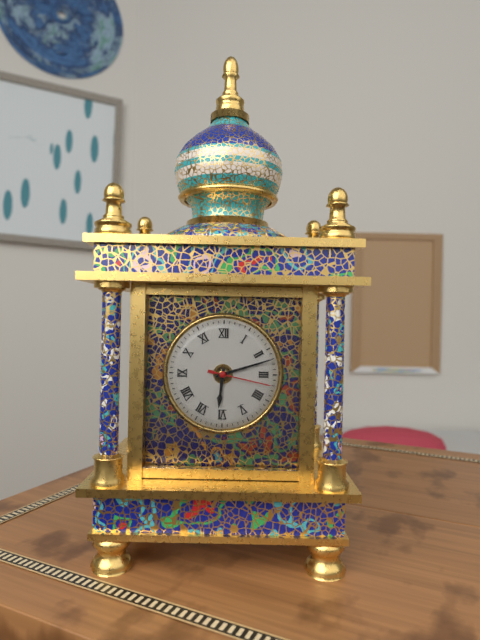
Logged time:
6,12,17
